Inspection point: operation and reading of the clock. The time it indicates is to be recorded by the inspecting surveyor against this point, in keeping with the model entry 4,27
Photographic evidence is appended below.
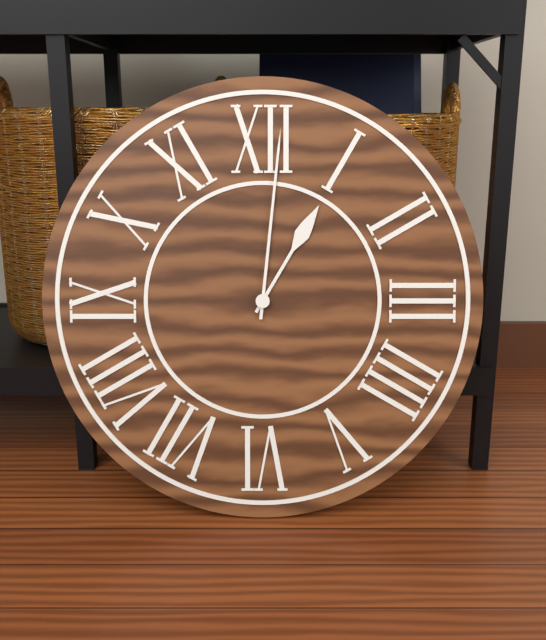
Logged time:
1,01
